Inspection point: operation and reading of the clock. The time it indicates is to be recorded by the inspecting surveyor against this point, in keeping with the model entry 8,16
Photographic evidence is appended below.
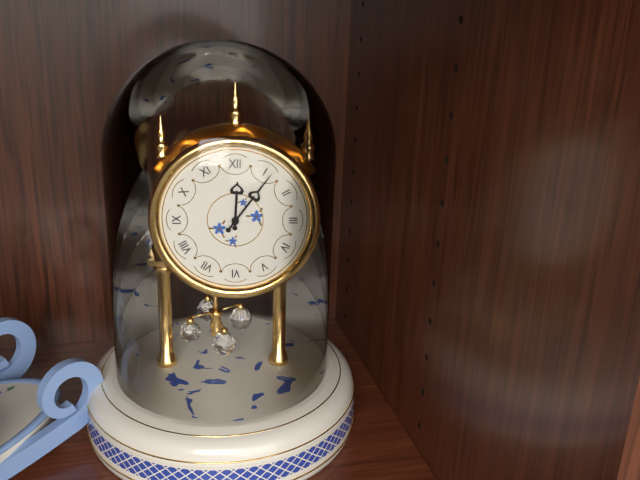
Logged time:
12,06
